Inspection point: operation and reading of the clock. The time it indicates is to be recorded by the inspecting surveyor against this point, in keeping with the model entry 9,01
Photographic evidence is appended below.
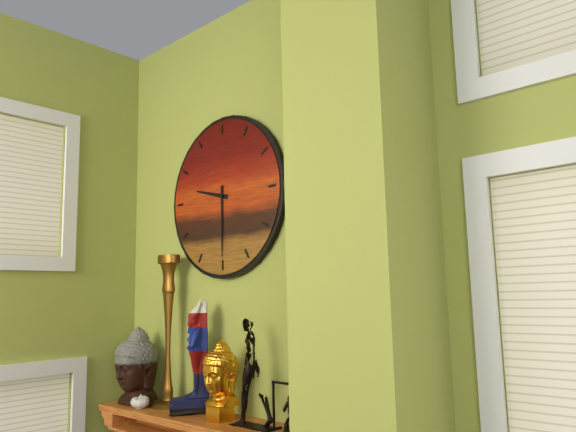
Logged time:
9,30
